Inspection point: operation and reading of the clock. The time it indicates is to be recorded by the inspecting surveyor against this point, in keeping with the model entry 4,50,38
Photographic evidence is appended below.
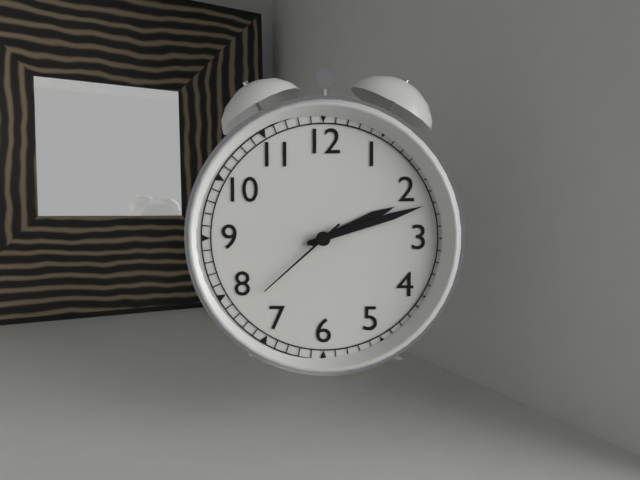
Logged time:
2,12,38
